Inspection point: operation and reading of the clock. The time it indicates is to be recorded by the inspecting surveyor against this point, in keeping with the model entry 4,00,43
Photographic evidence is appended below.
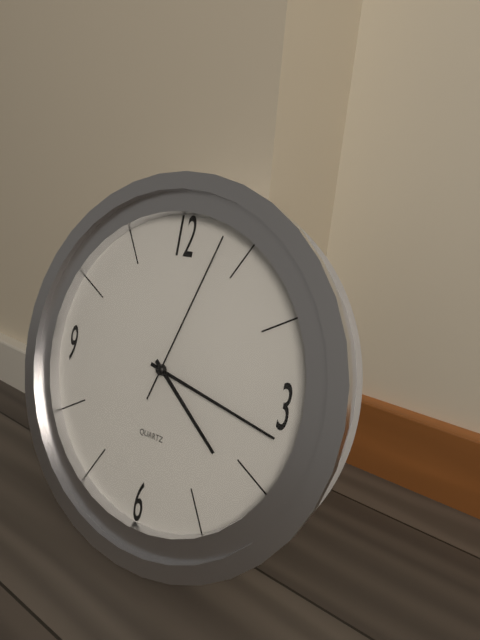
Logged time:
4,17,03
